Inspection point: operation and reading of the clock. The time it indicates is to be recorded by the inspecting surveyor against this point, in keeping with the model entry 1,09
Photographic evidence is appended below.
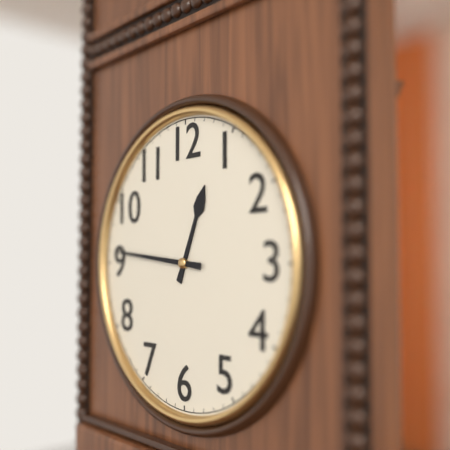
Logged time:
12,46
